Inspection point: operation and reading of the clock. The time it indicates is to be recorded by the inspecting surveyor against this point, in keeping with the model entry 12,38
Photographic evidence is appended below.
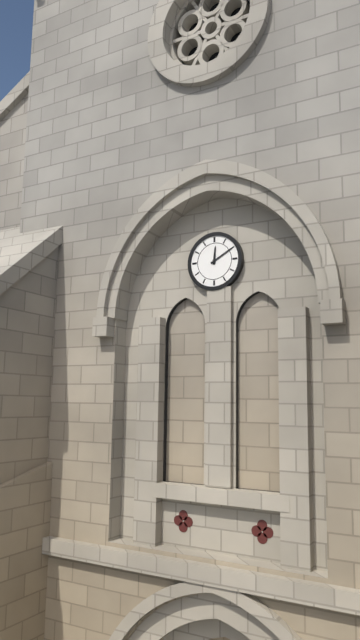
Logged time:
12,10
